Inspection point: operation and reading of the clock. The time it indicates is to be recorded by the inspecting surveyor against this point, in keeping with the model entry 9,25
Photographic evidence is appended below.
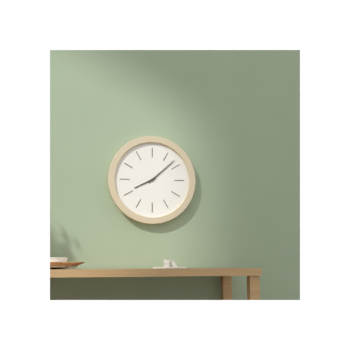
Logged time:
8,08
